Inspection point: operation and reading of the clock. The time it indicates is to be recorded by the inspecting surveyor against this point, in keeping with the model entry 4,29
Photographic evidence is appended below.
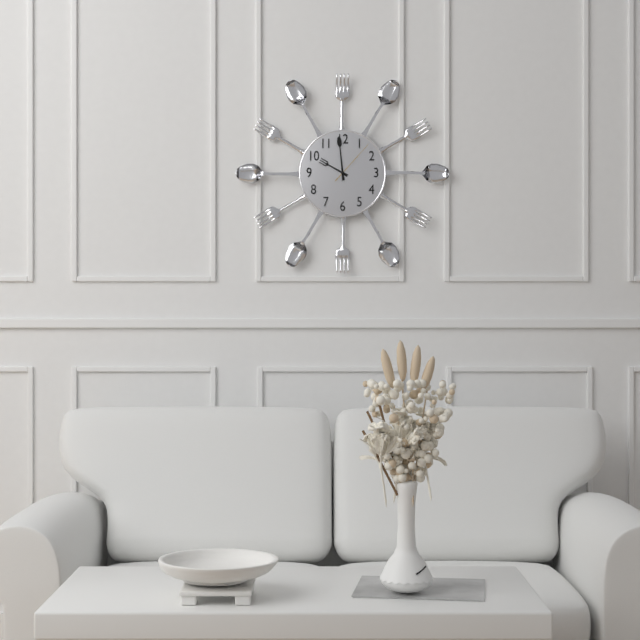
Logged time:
9,59
